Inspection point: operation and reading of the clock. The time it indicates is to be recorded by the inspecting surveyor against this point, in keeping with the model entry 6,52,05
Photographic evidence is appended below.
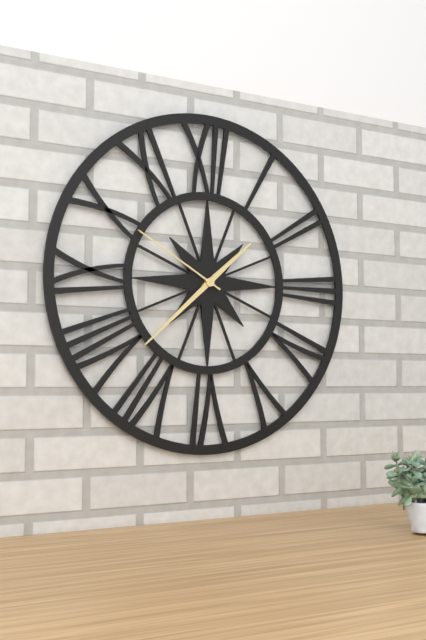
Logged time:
1,38,50
